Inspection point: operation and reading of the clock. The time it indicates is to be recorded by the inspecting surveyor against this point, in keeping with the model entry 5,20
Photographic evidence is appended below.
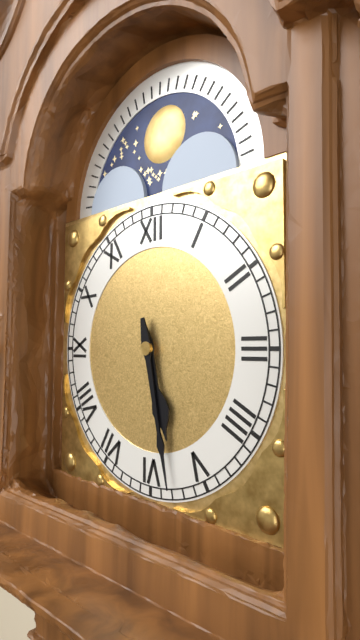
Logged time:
5,28
